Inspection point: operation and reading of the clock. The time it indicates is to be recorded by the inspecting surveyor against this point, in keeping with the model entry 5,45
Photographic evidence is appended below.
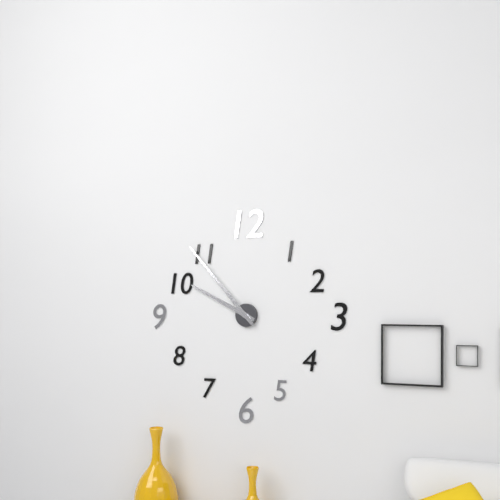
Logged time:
9,53
